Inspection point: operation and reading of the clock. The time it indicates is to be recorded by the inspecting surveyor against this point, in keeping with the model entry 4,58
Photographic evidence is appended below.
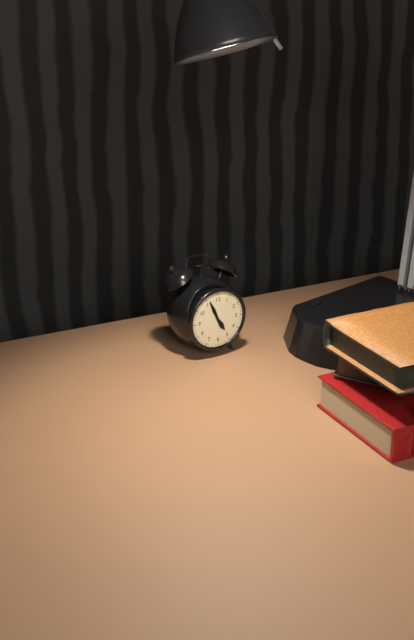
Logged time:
4,56
